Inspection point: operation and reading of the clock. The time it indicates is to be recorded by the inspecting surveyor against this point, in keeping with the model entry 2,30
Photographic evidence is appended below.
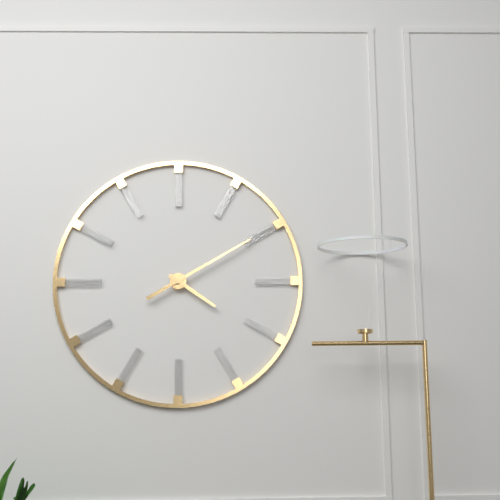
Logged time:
4,10
